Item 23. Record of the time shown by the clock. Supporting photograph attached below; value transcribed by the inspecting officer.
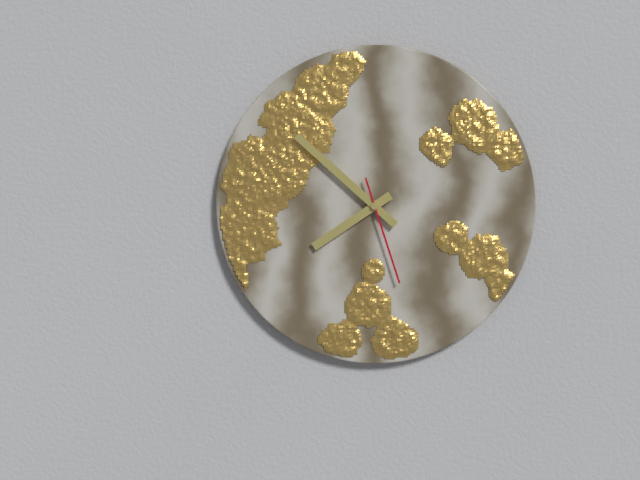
7:52:27
